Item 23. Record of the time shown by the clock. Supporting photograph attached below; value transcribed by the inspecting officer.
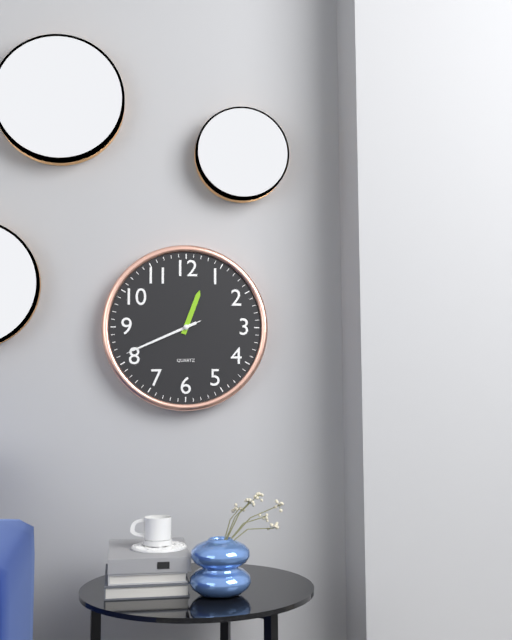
12:41:41
